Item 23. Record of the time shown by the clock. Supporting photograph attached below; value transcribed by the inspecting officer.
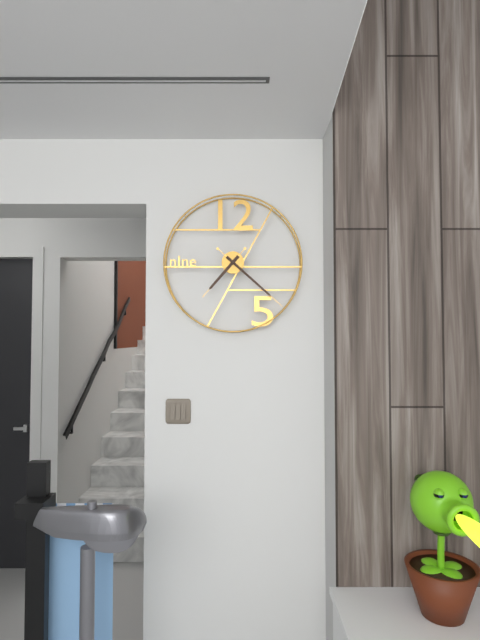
7:22
